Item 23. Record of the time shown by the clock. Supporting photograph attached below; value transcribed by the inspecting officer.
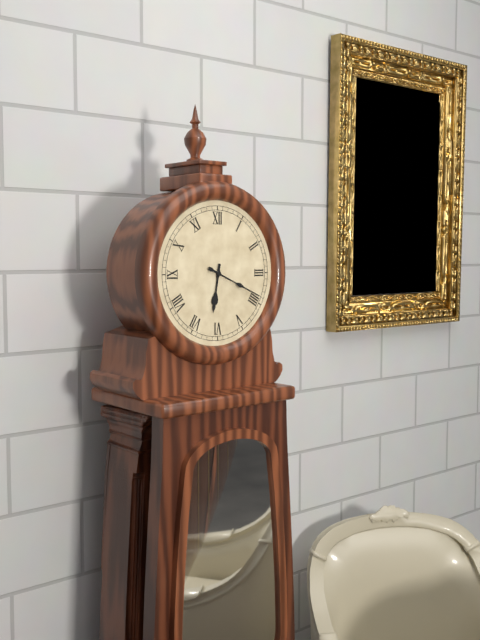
6:19
